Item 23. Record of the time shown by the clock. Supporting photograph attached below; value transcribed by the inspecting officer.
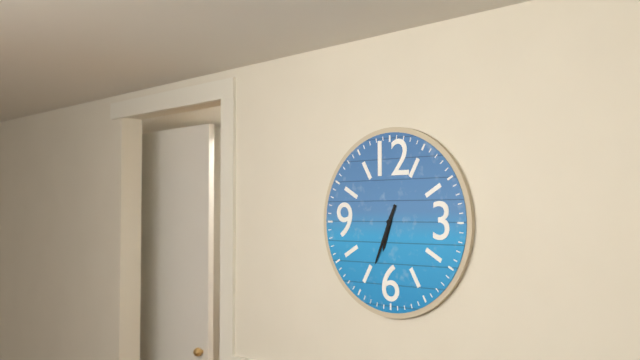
6:34
